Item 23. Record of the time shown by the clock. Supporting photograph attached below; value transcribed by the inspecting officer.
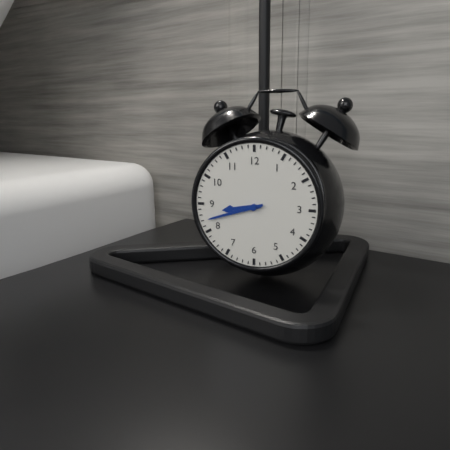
8:42
